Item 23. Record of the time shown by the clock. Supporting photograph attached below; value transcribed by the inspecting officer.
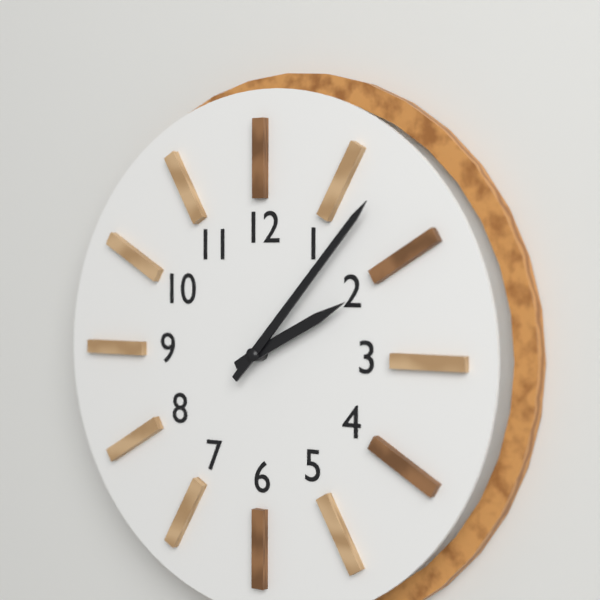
2:07
